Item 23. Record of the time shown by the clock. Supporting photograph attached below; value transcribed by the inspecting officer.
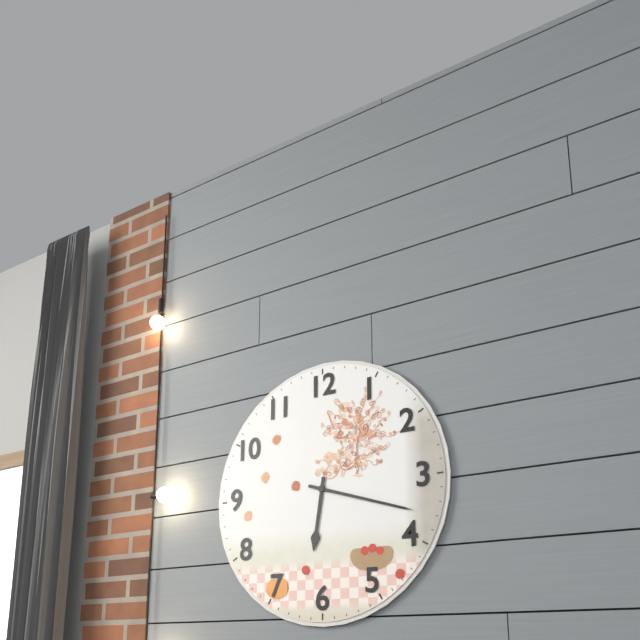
6:18
